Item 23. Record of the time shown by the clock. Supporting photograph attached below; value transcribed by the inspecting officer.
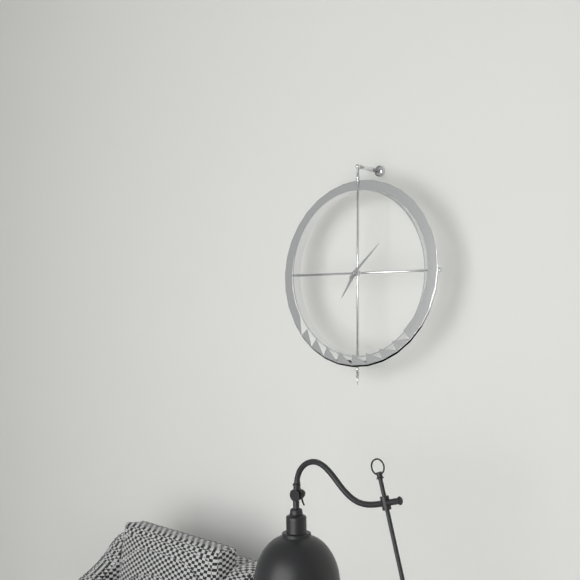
7:08
